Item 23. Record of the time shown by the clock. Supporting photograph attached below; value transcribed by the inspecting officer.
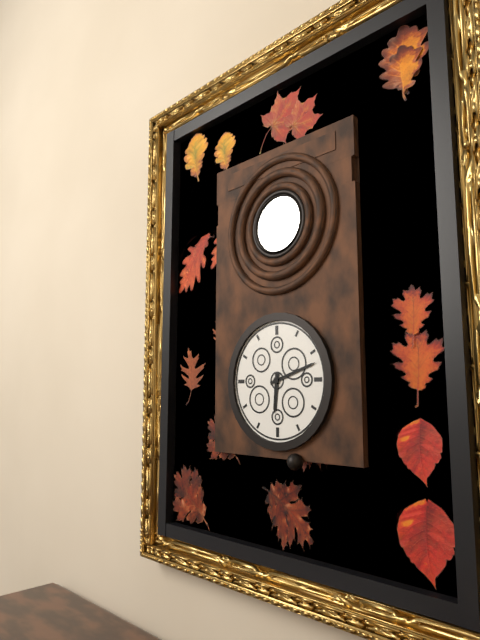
6:12
